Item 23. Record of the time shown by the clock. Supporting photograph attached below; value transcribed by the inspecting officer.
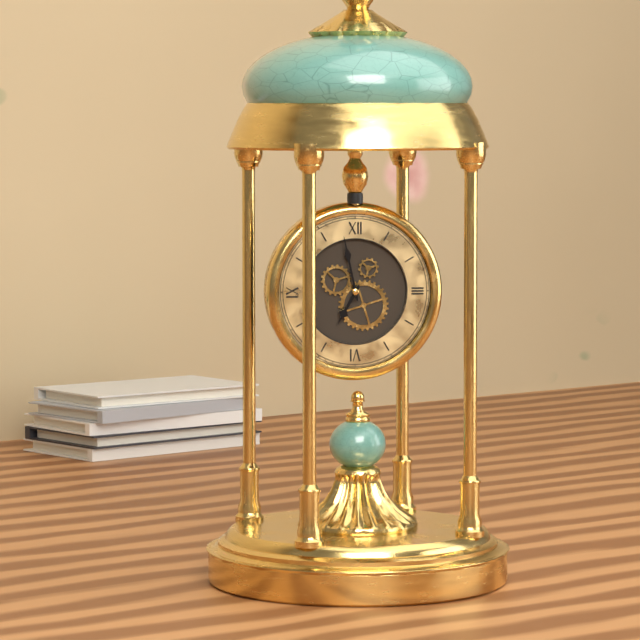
6:58
